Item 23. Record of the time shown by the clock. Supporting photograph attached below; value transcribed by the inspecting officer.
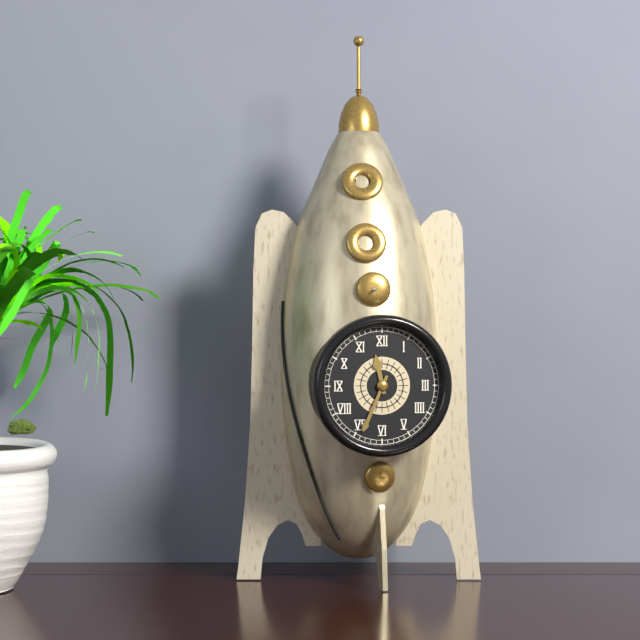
11:34
